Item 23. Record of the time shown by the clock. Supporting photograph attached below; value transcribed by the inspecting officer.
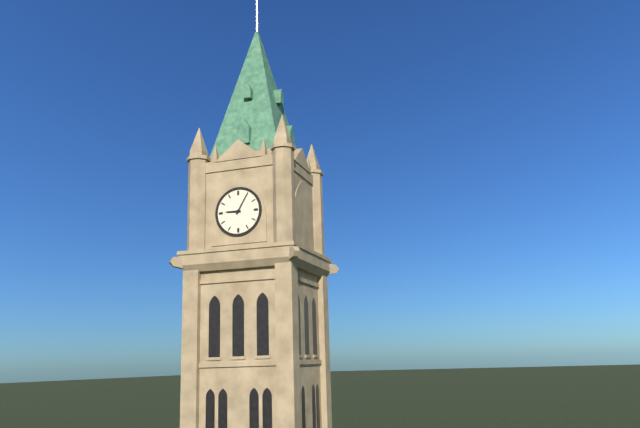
9:05
